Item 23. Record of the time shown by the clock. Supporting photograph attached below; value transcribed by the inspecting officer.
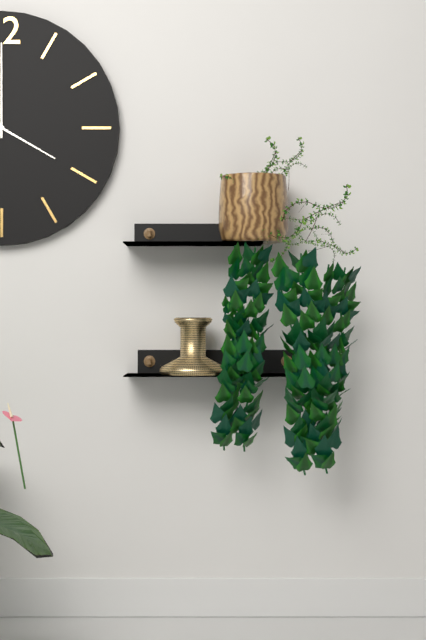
4:00
